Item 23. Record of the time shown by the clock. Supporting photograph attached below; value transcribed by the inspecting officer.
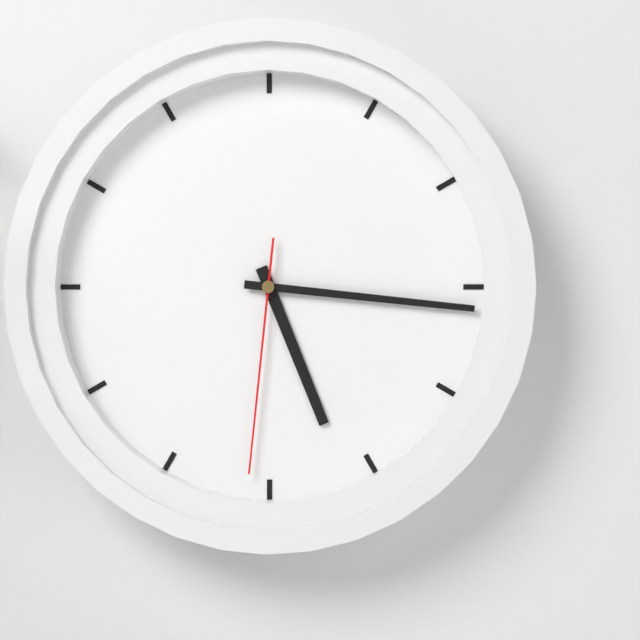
5:16:31
